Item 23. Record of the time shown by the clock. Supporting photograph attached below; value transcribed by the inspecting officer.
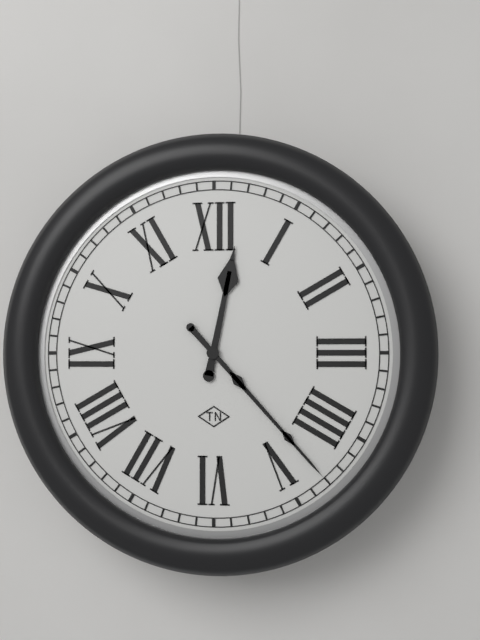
12:23
